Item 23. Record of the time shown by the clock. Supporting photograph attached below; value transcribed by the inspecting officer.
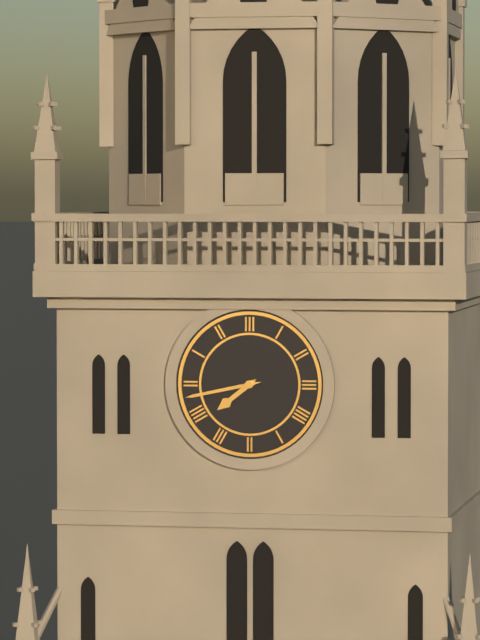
7:43
